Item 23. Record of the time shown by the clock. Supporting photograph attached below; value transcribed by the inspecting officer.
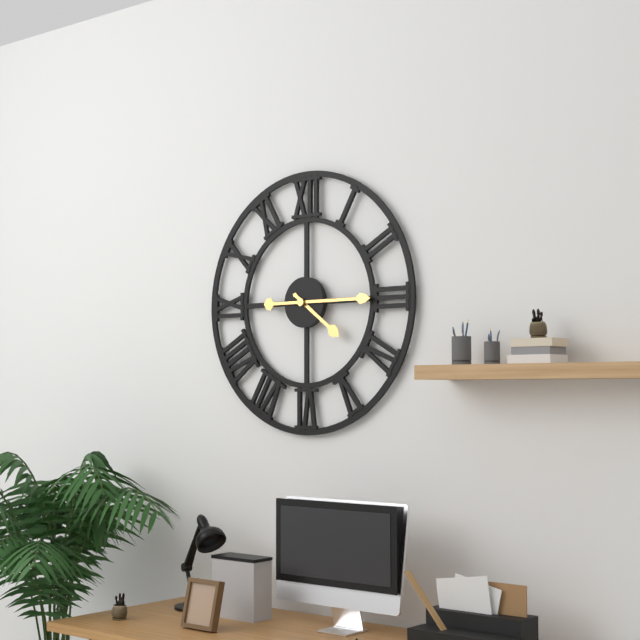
4:15
